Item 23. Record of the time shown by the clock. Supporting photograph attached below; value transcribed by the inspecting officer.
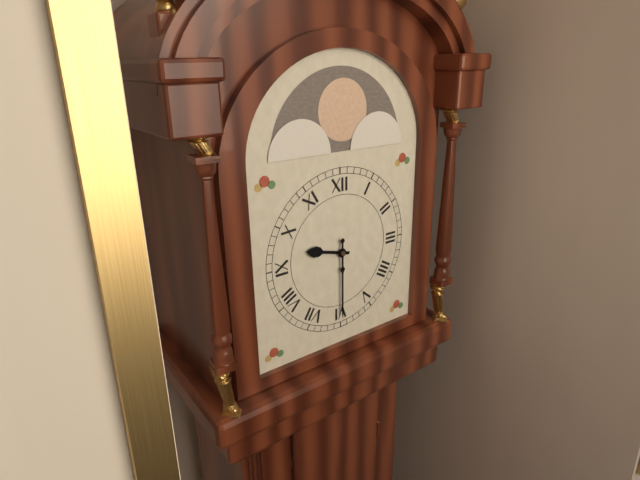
9:30
